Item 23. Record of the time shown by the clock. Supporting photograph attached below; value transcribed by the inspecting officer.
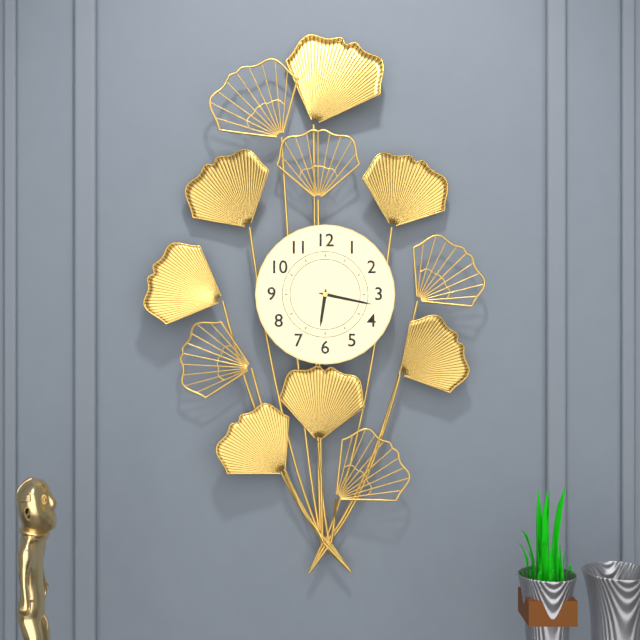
6:17
